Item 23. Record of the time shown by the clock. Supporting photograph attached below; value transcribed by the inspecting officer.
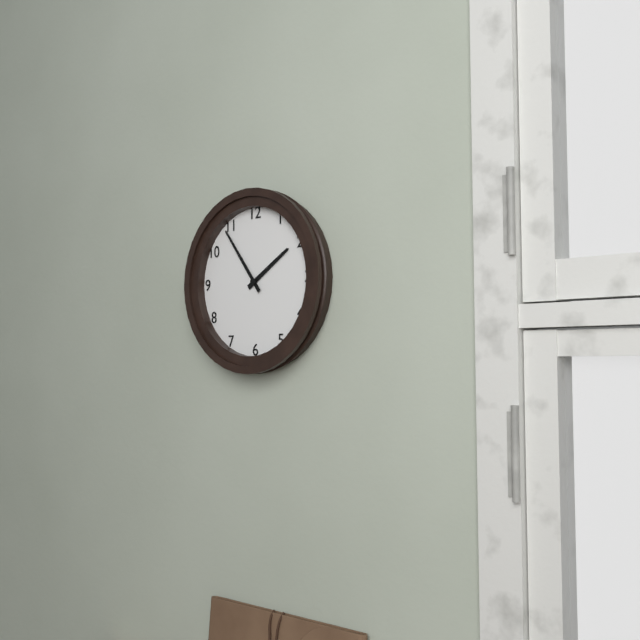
1:54
